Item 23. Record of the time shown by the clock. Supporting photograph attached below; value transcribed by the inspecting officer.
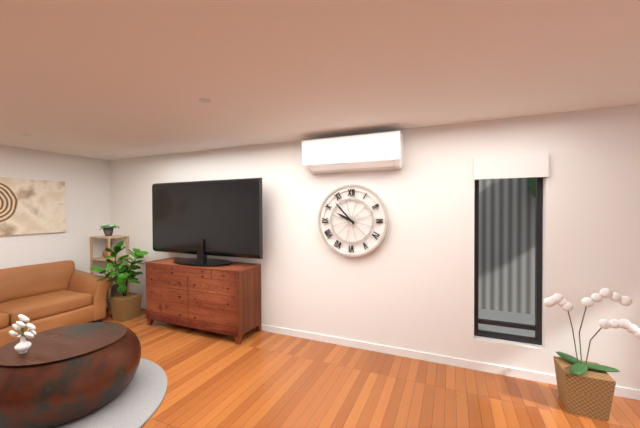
9:53
